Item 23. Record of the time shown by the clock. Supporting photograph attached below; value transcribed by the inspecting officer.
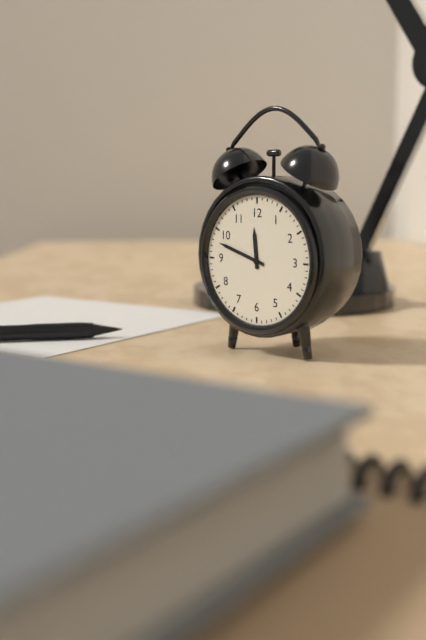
11:48
